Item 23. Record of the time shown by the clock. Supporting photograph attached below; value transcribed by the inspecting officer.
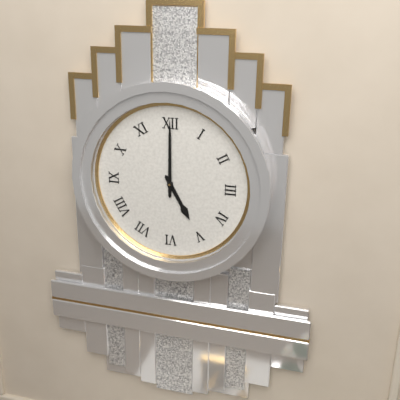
5:00
